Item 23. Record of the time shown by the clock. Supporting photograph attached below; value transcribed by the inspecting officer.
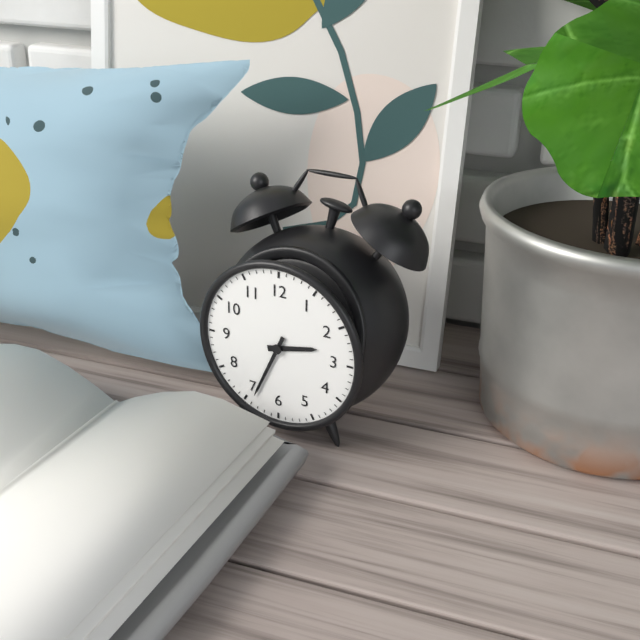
2:34
